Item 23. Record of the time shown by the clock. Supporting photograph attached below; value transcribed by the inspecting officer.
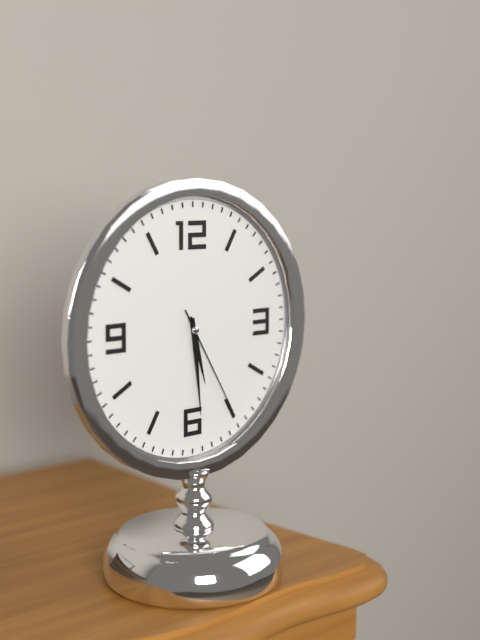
5:29:25
